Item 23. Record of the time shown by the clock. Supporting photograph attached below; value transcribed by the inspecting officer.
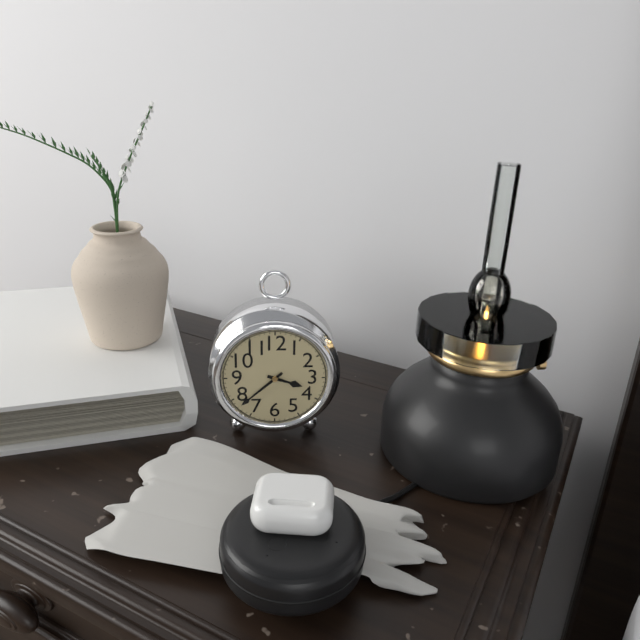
3:38
